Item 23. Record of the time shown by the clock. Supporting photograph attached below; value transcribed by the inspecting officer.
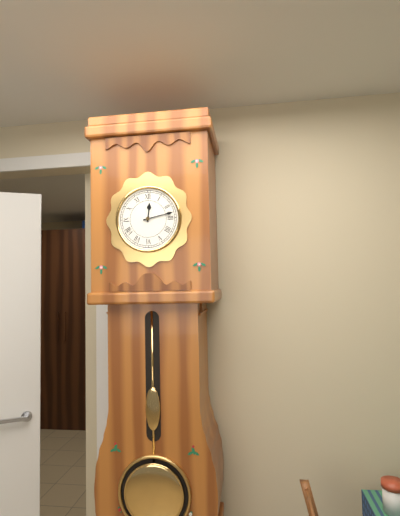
12:13
